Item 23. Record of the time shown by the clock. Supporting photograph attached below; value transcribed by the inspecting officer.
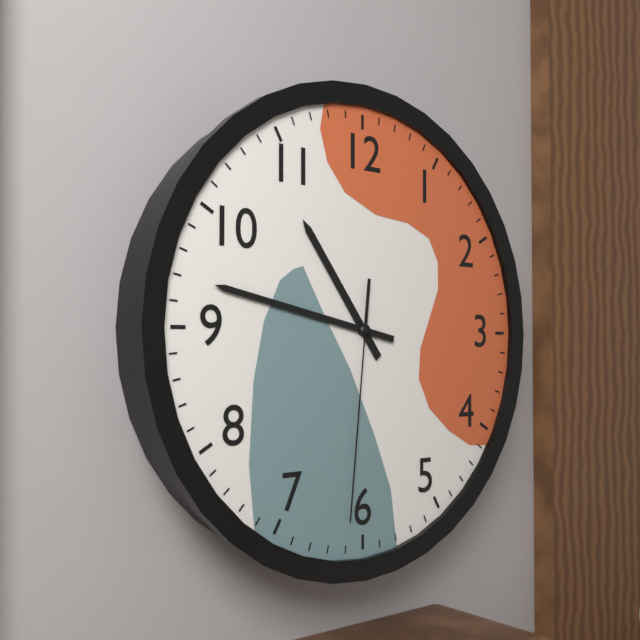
10:47:31
